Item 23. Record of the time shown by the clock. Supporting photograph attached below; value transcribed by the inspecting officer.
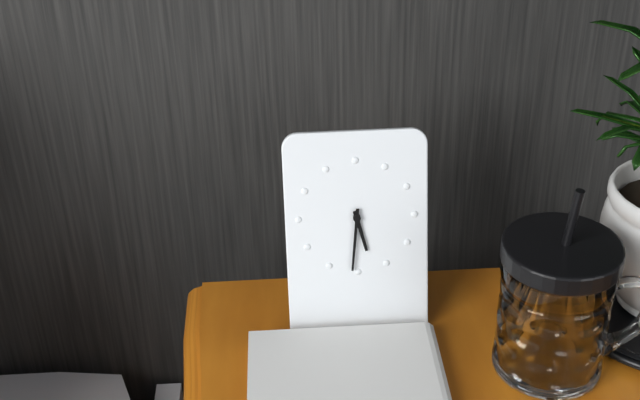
5:31
